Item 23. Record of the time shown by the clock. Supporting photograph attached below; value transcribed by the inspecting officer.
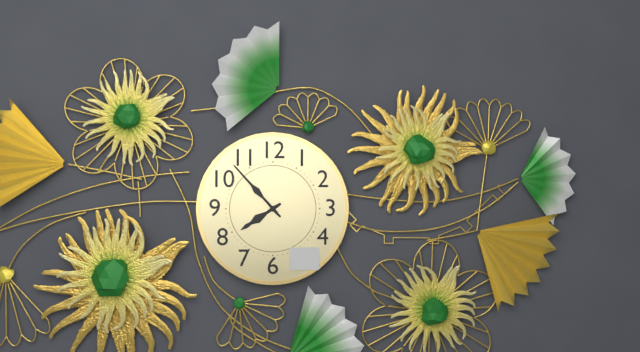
7:53
